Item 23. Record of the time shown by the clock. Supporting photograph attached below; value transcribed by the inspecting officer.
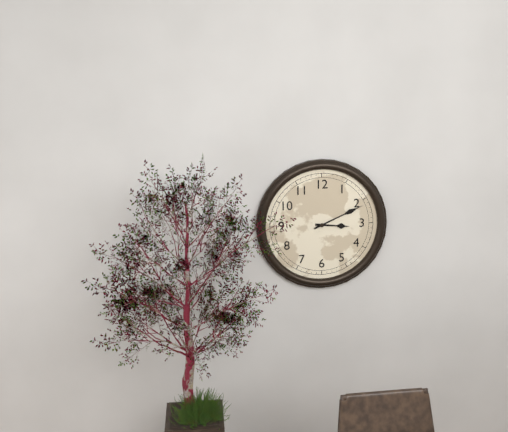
3:11
